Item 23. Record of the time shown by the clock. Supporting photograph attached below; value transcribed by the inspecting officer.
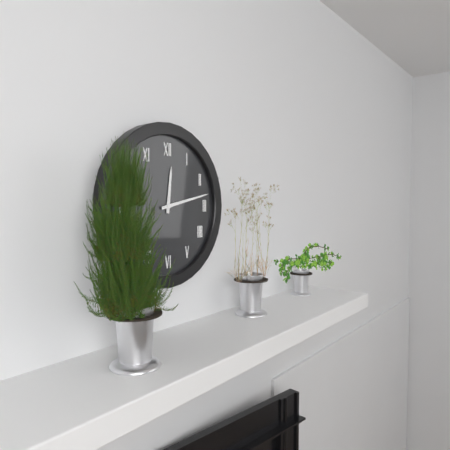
12:13
